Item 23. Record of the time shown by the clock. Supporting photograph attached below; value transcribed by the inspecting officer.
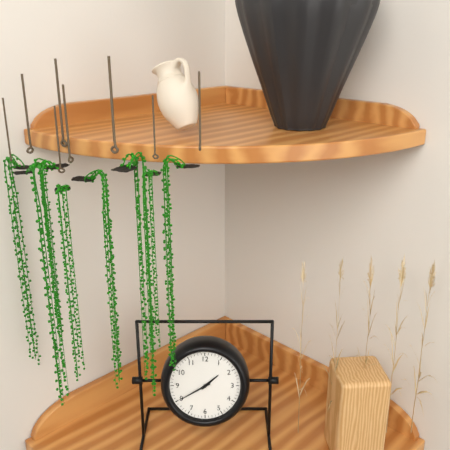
1:40
